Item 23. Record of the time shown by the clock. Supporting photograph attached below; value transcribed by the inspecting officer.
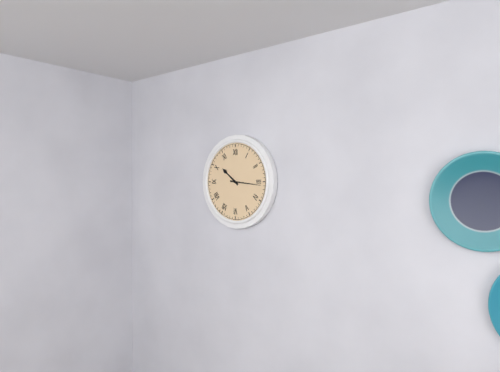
10:16
